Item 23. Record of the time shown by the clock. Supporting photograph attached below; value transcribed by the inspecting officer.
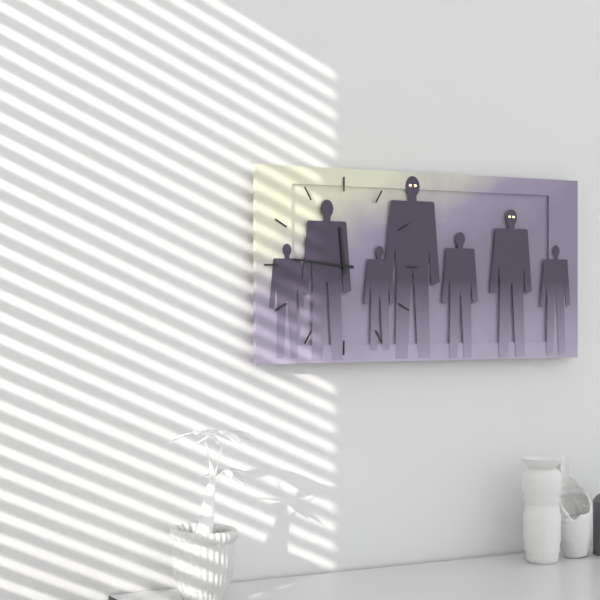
11:46
